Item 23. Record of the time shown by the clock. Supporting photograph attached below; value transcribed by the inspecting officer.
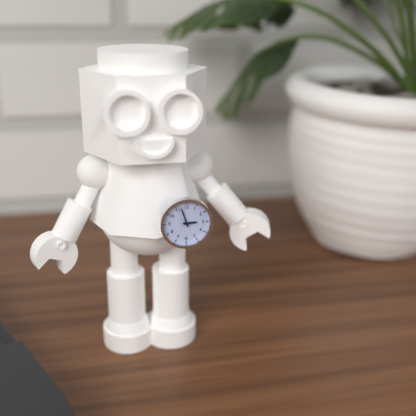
2:57
